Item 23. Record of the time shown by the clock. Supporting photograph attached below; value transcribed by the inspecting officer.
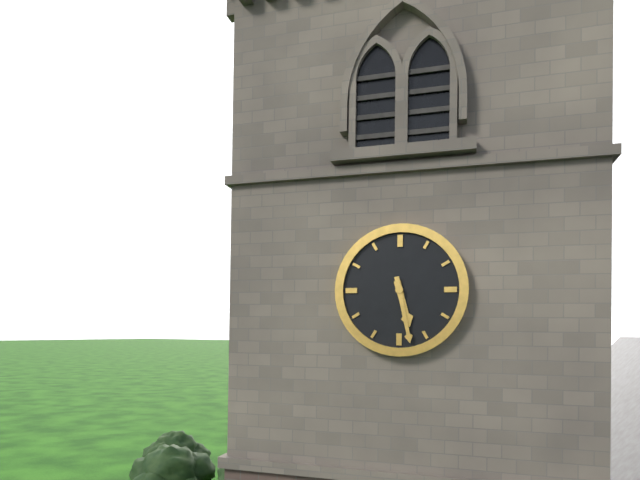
5:28
